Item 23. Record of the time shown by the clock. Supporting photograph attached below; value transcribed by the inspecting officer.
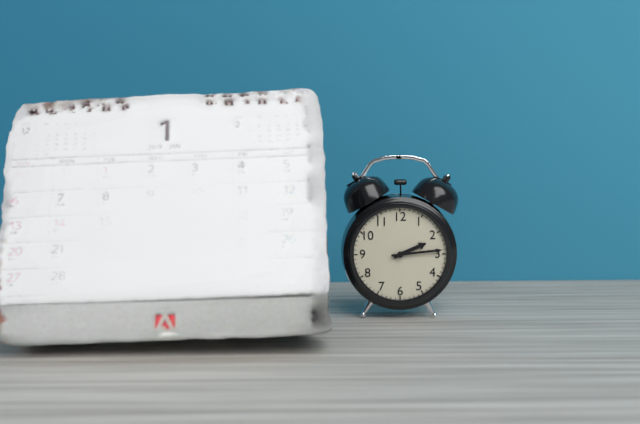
2:14
